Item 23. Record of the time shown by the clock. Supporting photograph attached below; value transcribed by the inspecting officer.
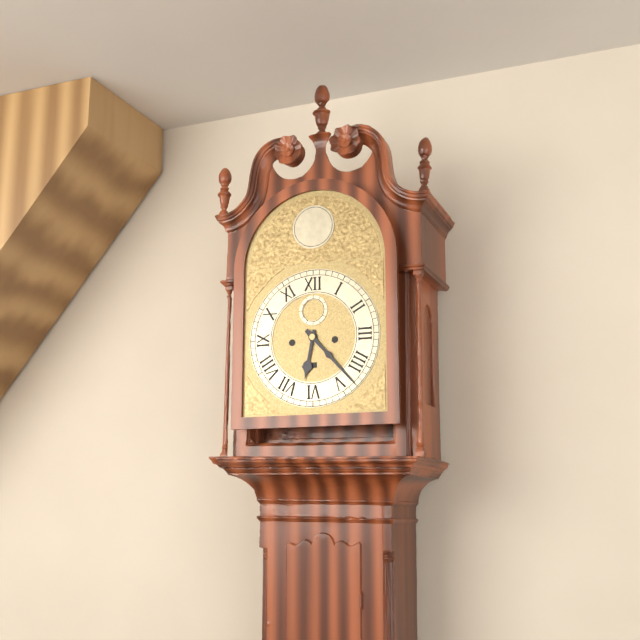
6:23
